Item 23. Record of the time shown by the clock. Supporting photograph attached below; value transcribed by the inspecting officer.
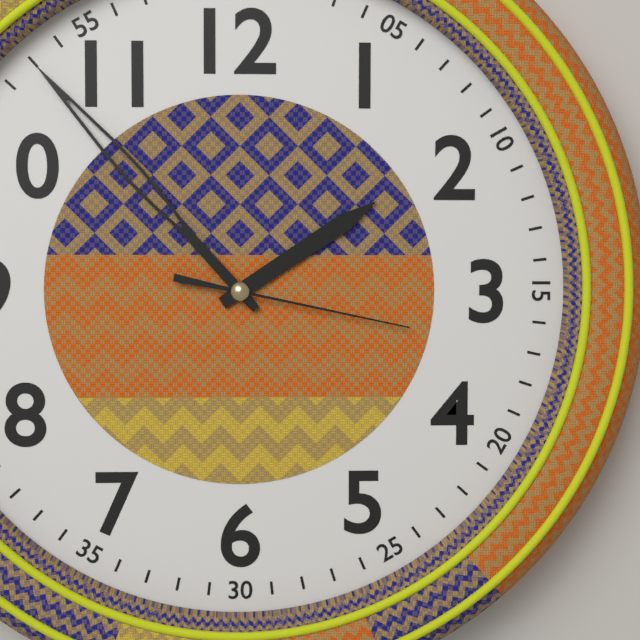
1:53:17
